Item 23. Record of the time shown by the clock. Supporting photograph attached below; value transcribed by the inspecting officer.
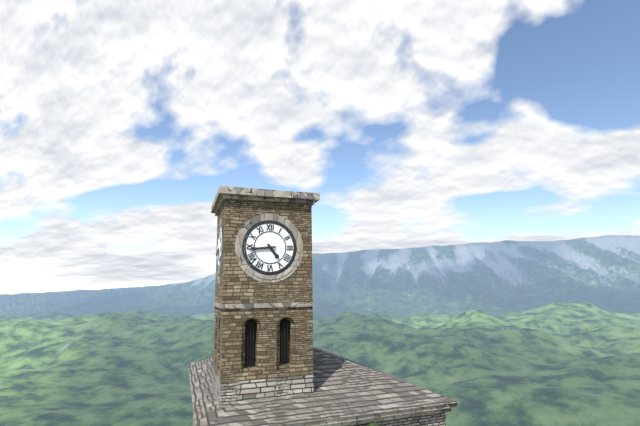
4:44
